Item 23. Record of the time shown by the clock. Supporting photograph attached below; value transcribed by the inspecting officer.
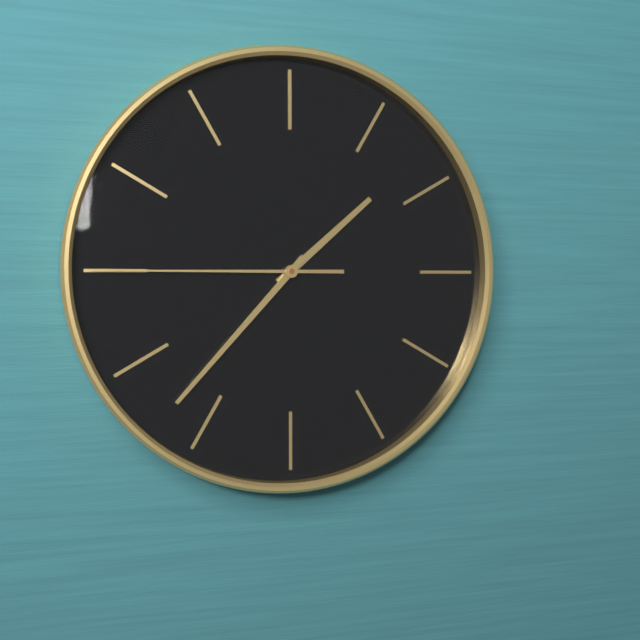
1:37:45
